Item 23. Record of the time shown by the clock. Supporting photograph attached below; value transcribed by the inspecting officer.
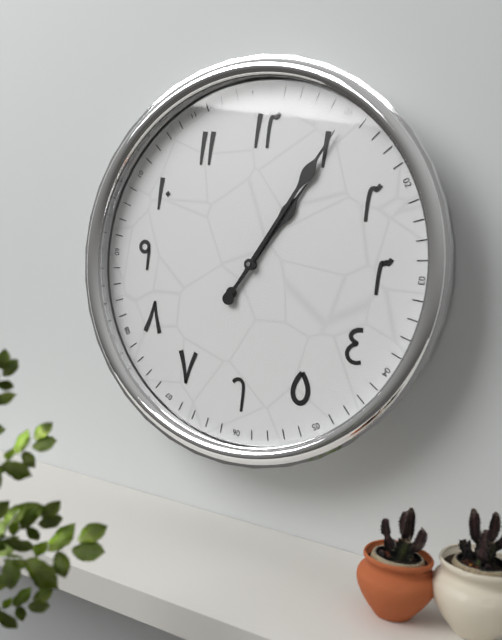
1:05
